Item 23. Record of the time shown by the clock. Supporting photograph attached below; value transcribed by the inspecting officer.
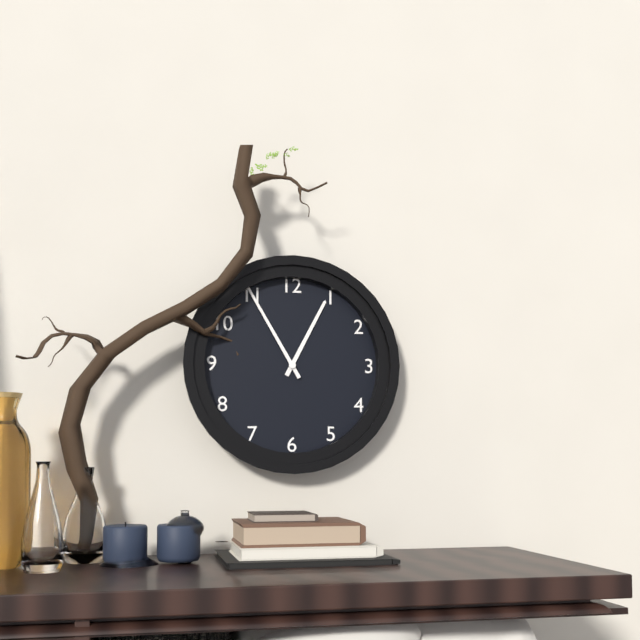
12:55
